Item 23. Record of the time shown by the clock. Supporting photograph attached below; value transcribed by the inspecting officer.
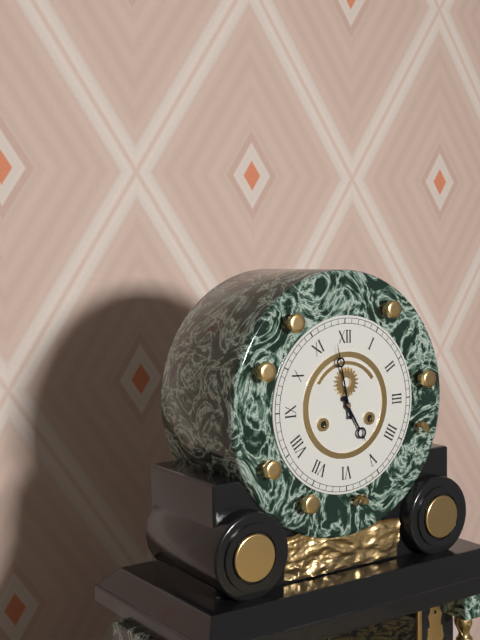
4:58
